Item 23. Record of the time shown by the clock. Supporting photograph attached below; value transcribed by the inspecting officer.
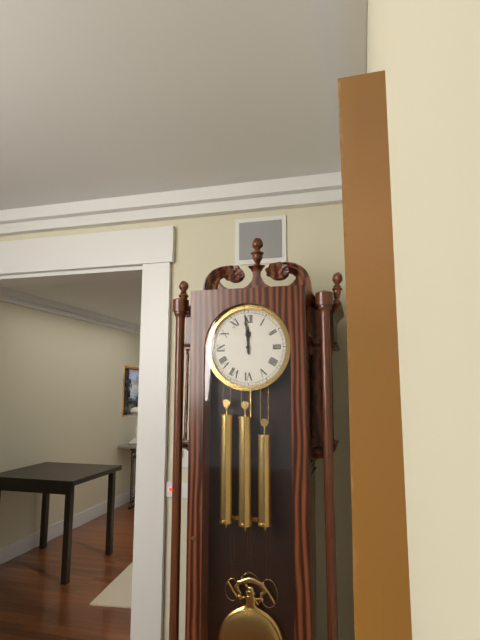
11:59
